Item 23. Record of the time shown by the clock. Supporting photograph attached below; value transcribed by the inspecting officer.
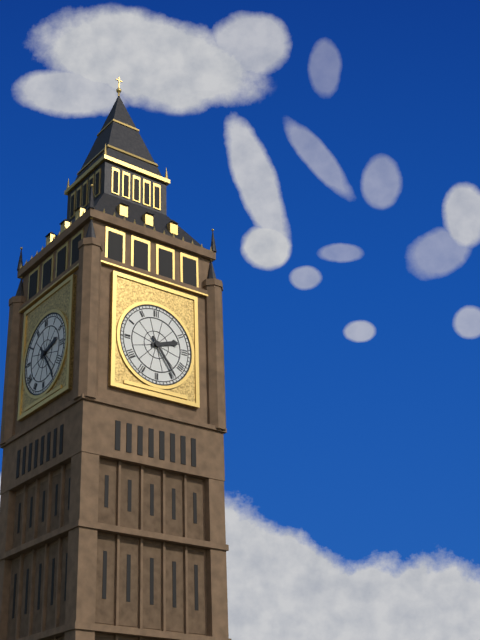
2:24
